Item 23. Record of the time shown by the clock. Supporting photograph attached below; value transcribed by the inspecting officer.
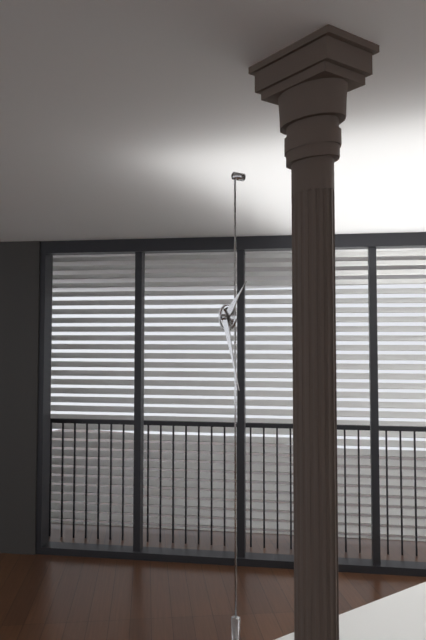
1:27
